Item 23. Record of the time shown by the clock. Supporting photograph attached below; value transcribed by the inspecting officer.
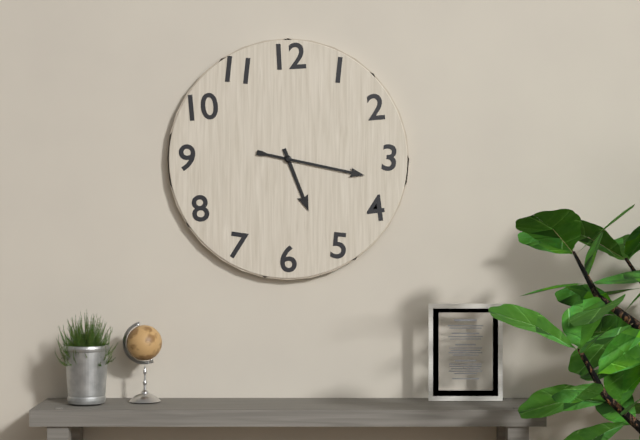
5:17
